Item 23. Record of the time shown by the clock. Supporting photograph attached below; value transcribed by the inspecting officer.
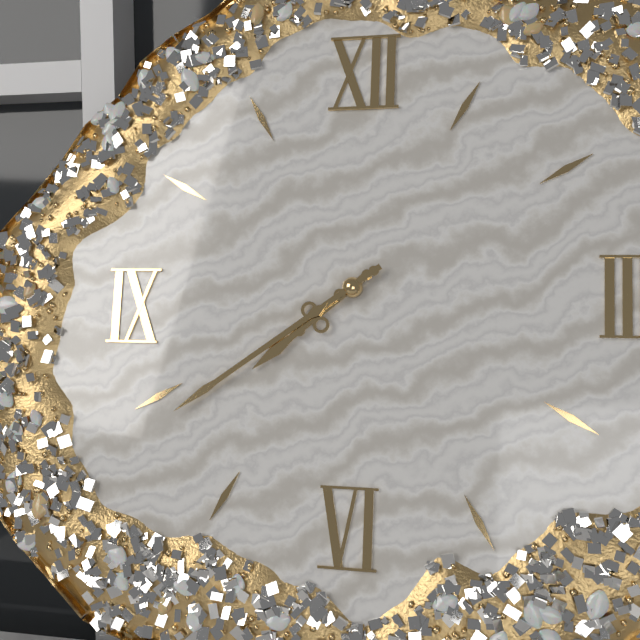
7:39
